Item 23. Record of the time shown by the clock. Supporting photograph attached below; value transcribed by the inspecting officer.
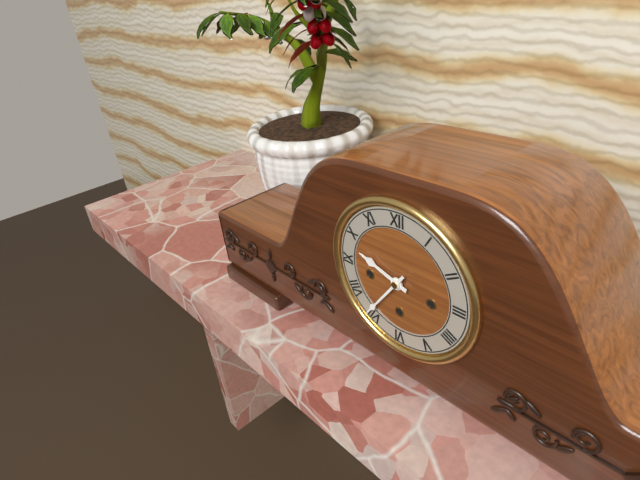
9:36
